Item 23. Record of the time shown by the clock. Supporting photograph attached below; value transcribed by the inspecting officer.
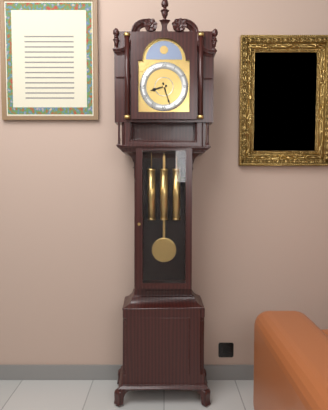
8:27
